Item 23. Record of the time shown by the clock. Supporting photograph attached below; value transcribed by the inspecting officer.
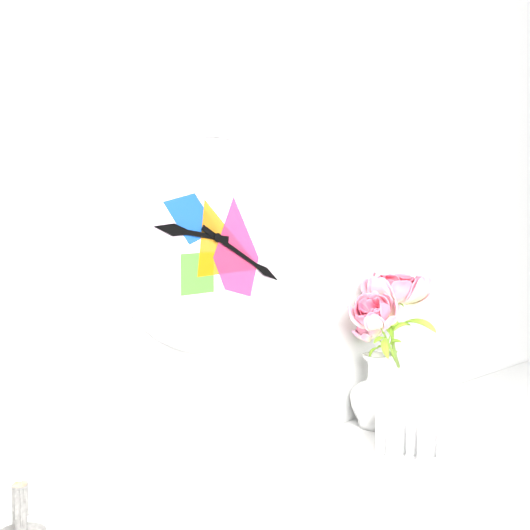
9:20
